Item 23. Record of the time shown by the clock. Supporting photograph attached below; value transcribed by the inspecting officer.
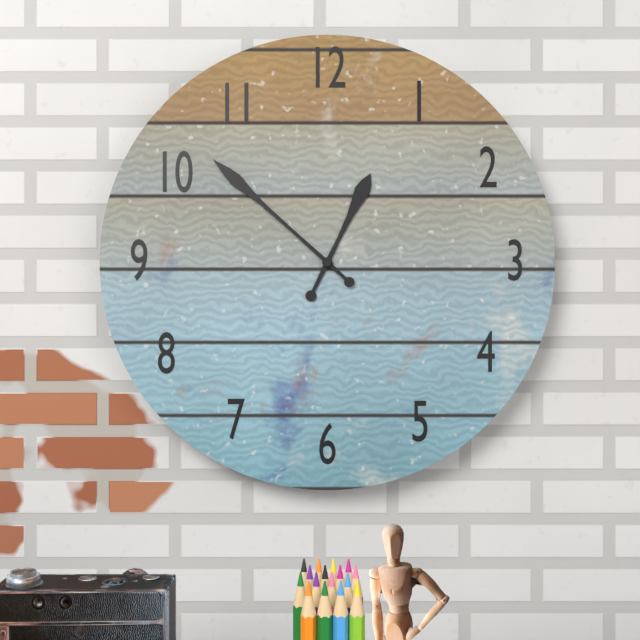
12:52
